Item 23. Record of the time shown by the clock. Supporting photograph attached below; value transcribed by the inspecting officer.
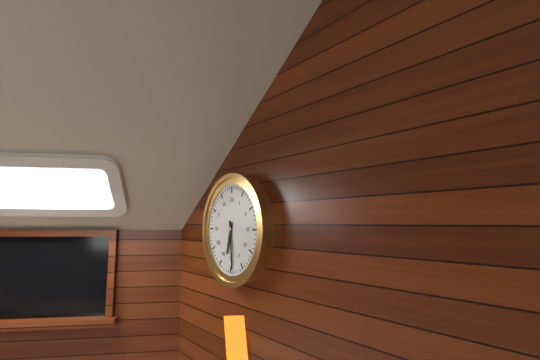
6:29
